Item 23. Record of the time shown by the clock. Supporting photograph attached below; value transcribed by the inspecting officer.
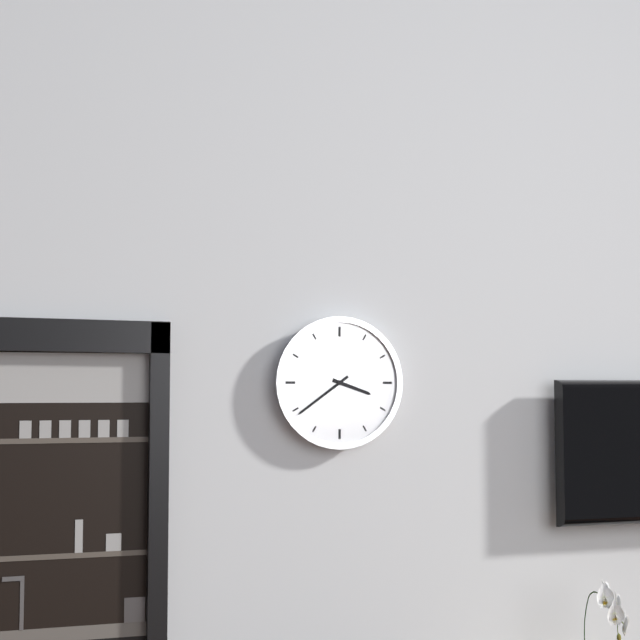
3:39
